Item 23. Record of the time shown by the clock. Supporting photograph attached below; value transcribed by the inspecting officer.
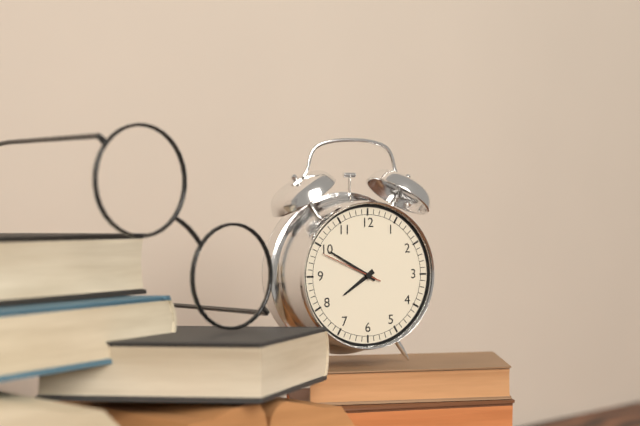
7:50:49
